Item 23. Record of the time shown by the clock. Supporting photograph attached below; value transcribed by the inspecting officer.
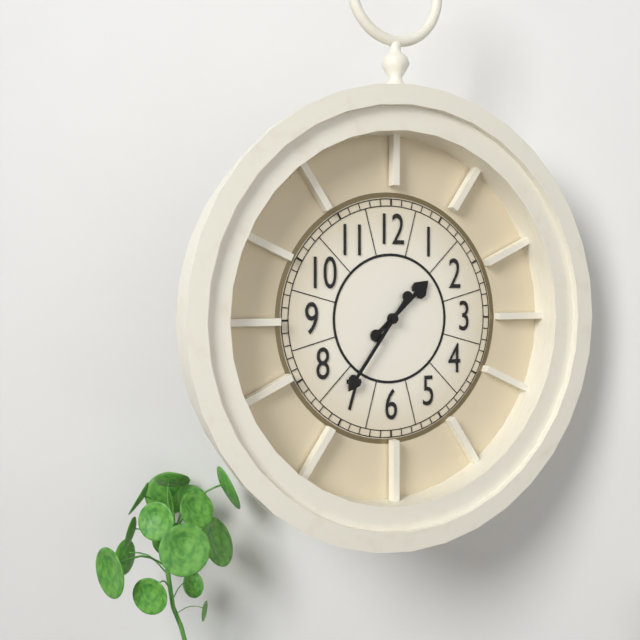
1:36
